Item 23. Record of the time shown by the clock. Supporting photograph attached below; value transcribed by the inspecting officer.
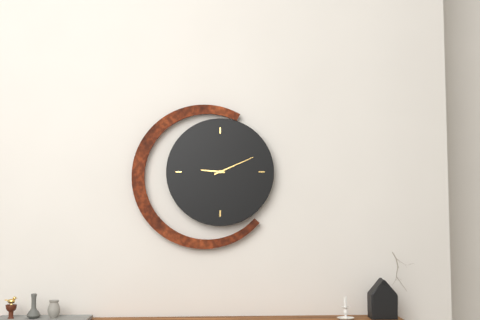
9:11
